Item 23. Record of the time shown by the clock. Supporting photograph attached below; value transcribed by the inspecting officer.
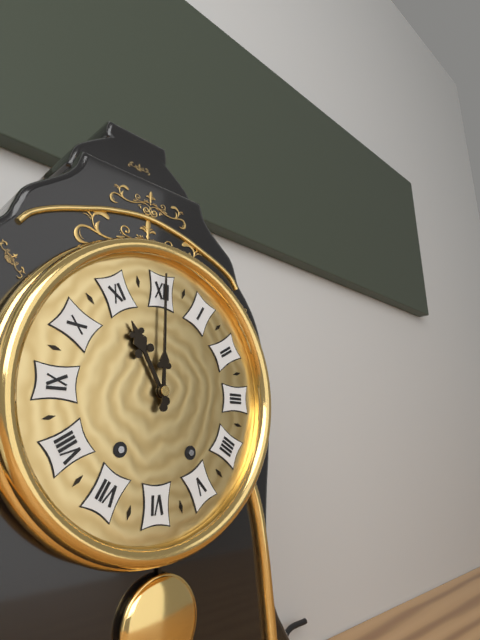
11:00
